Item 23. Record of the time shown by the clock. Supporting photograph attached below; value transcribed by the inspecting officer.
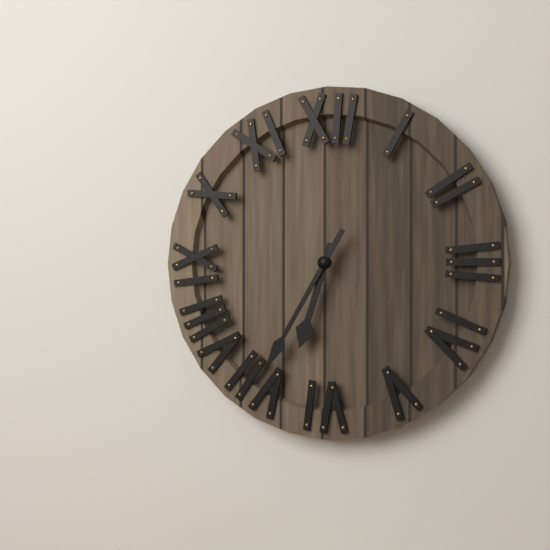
6:35
